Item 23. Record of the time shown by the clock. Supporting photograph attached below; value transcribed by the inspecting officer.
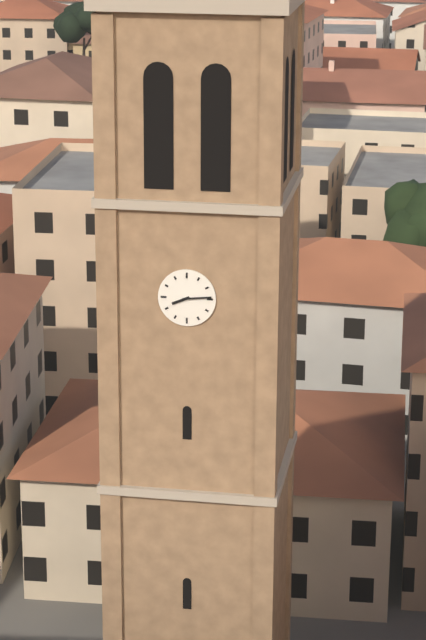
8:14
